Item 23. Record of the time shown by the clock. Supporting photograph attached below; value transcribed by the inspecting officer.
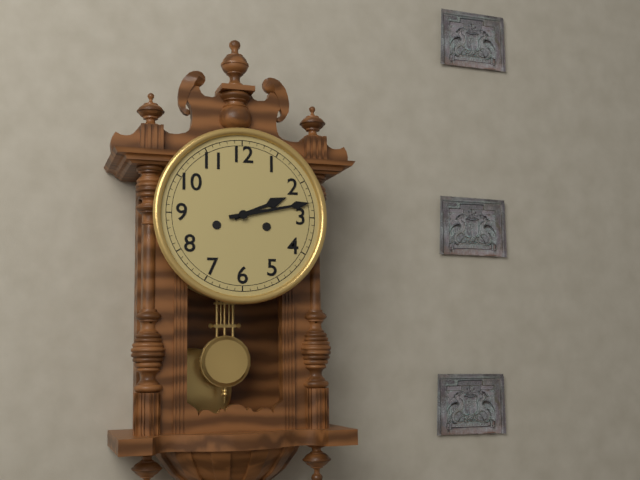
2:13
